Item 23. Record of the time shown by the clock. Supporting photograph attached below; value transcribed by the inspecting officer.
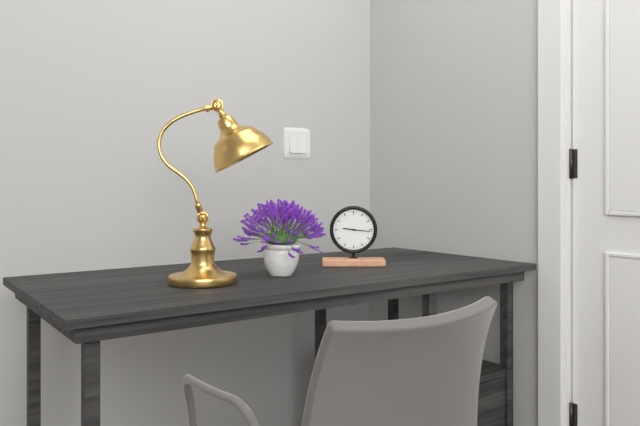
9:16
